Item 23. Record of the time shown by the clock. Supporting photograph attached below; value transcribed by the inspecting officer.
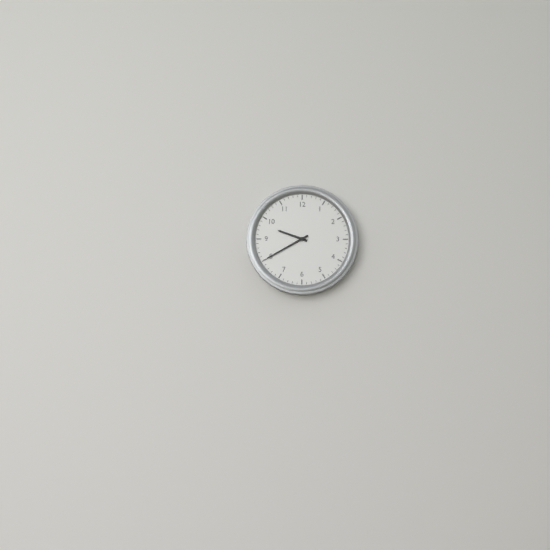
9:40
